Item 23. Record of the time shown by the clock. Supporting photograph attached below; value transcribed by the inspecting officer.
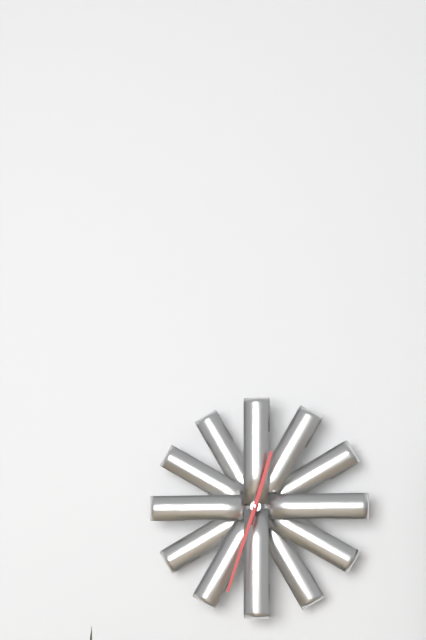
12:33
